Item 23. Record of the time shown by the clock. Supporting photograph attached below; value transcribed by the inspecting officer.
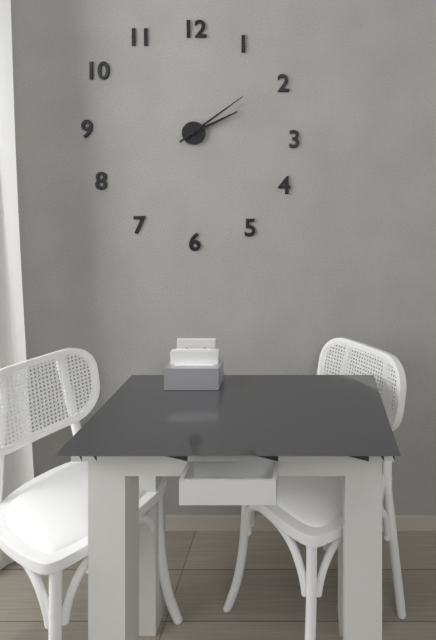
2:09
